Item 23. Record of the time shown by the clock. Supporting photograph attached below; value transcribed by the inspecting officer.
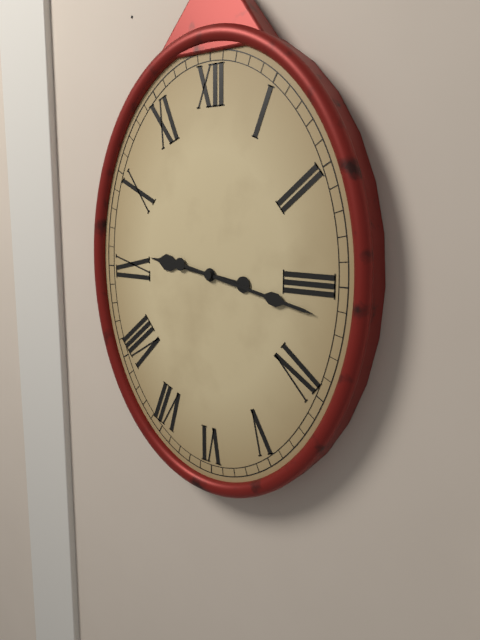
9:17
